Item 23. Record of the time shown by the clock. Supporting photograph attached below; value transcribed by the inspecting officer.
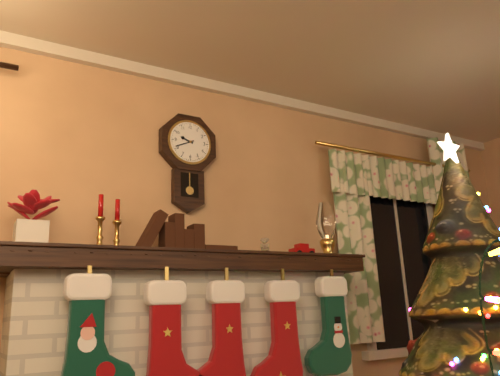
9:41
